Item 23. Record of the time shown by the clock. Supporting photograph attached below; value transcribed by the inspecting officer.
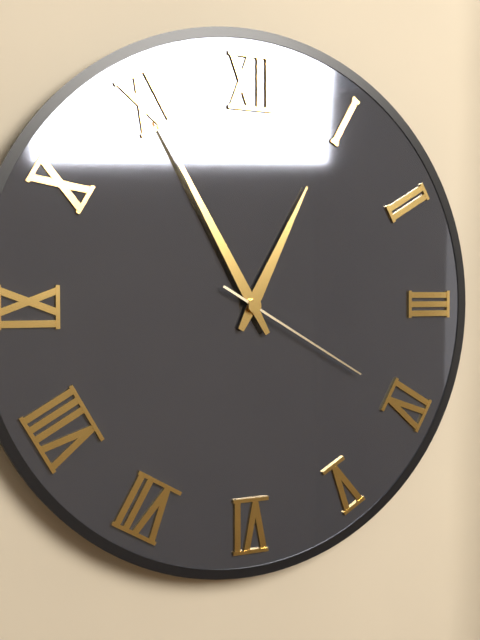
12:55:20
